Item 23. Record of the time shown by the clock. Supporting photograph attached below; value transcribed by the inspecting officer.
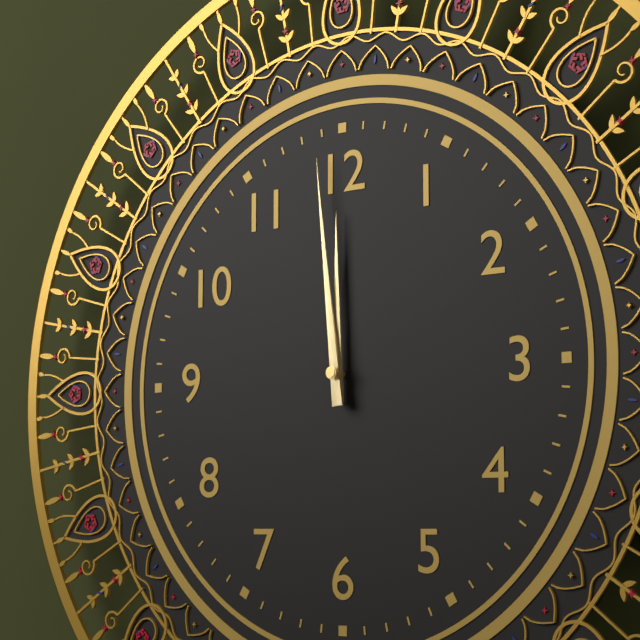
11:59
